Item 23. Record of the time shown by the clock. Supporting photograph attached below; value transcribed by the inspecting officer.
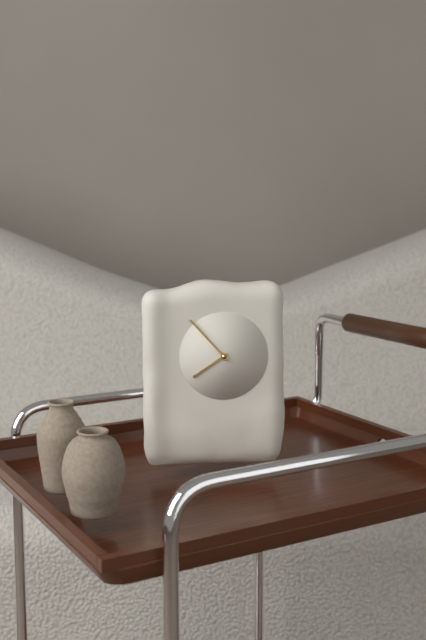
7:53
